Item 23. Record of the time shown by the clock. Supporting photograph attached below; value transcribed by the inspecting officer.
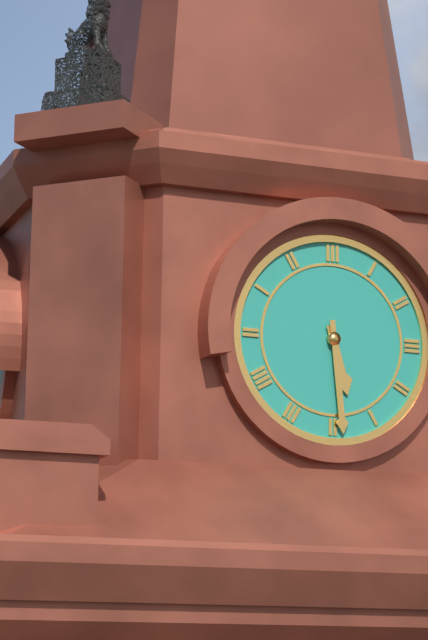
5:29
